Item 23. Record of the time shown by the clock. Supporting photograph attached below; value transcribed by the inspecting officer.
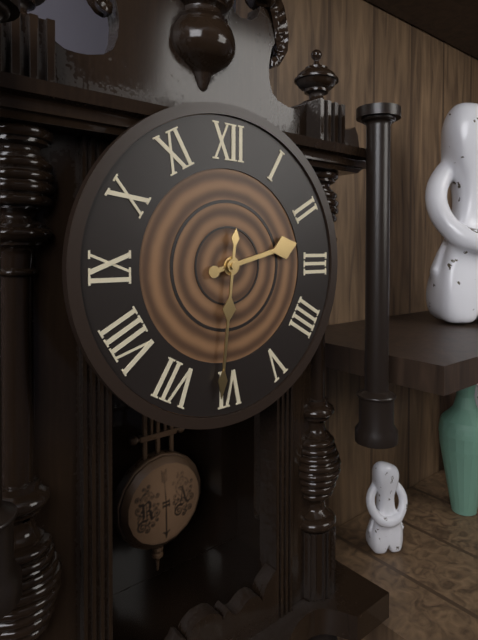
2:31
